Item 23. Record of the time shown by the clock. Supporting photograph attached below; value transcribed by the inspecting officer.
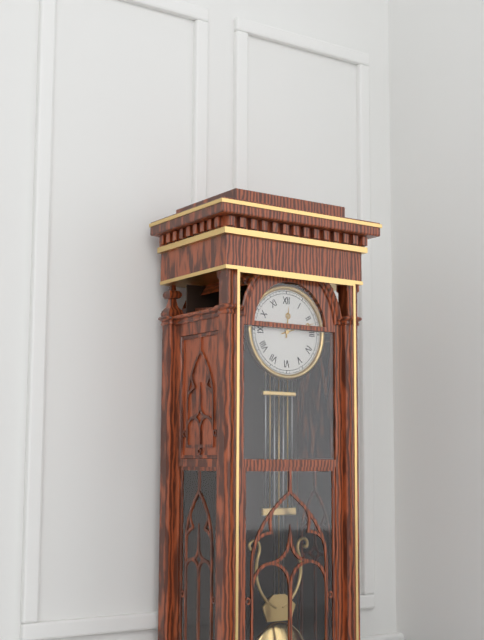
12:12
